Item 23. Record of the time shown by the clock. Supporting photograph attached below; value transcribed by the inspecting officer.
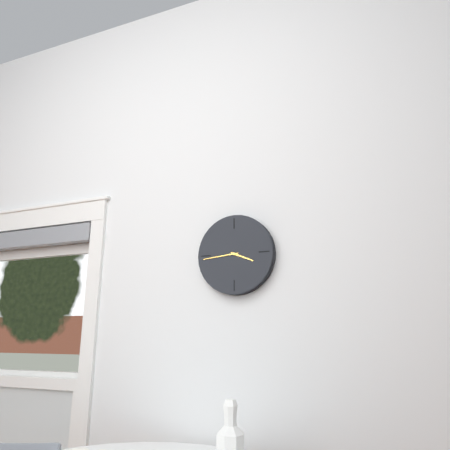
3:44
